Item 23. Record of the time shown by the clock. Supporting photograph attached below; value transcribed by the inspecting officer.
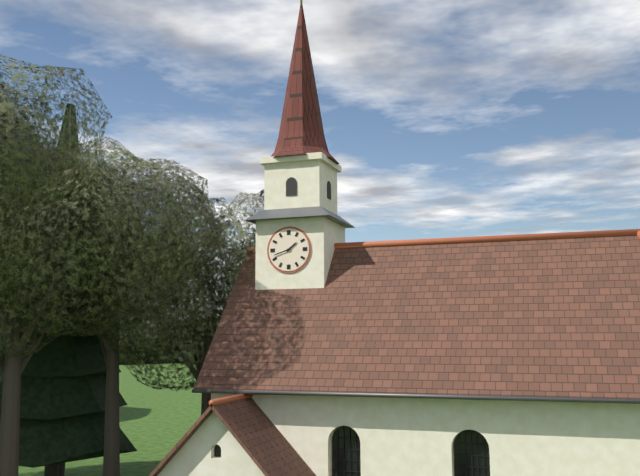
1:42
